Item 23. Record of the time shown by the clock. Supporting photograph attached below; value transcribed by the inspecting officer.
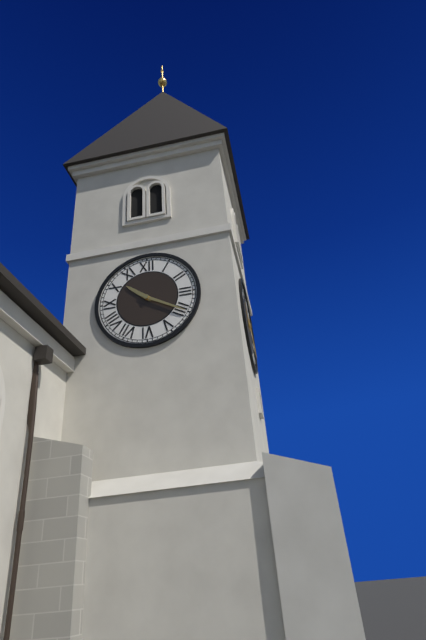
10:20
